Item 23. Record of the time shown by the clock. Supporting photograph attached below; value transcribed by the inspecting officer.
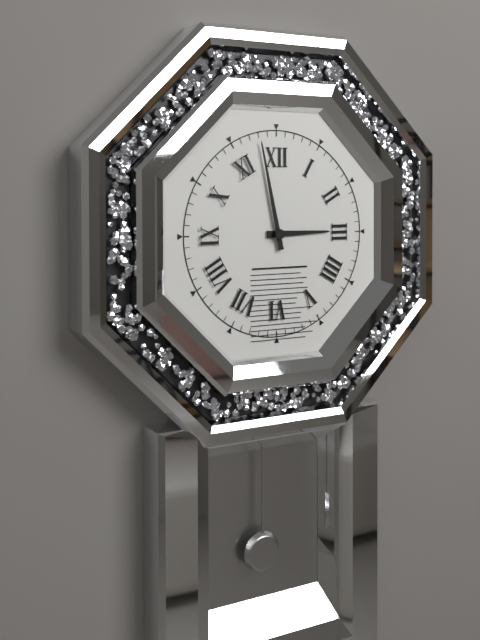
2:58
